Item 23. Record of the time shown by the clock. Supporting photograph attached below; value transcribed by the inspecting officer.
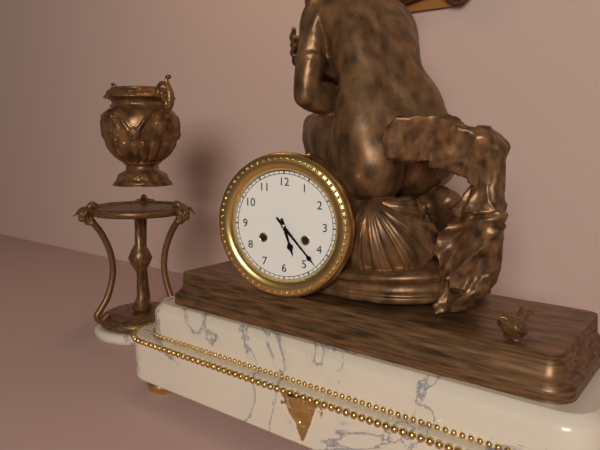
5:23
